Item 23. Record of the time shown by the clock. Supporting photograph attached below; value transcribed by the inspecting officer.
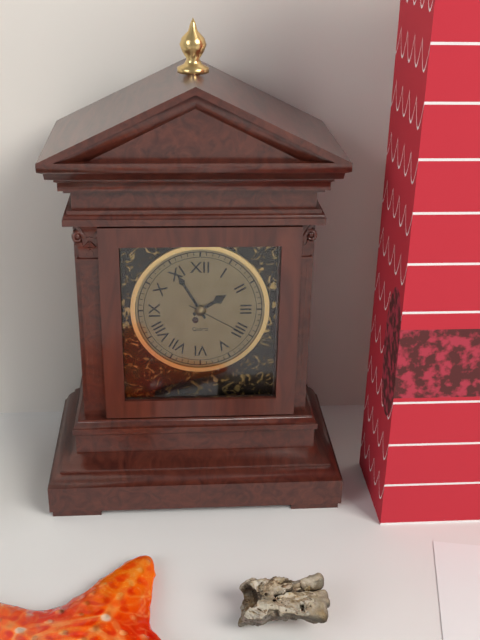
1:55:20
